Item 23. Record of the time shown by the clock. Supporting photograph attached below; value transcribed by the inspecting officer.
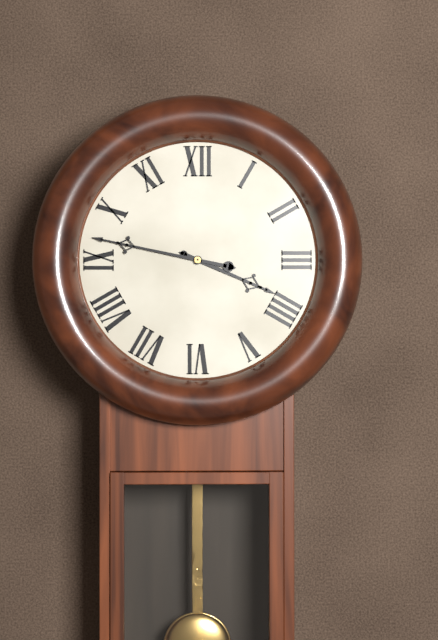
3:47
